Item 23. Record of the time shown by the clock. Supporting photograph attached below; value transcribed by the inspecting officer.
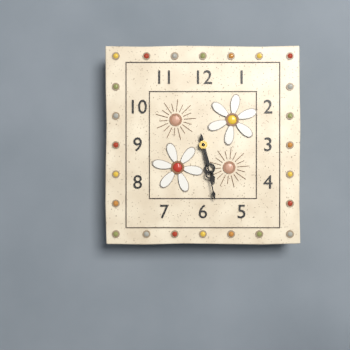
5:28
